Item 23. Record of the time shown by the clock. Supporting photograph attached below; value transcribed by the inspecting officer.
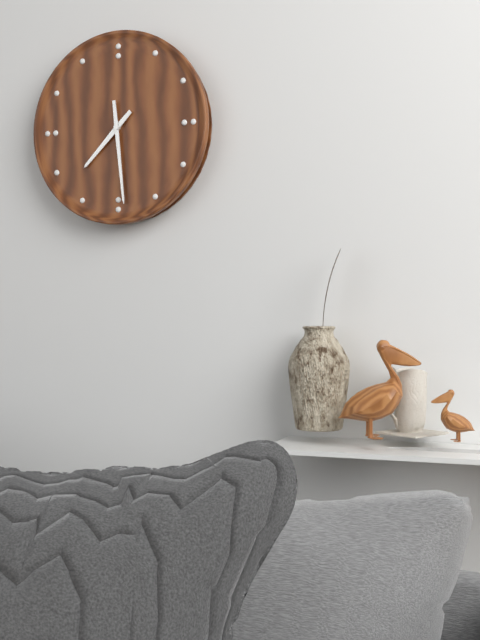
7:29
